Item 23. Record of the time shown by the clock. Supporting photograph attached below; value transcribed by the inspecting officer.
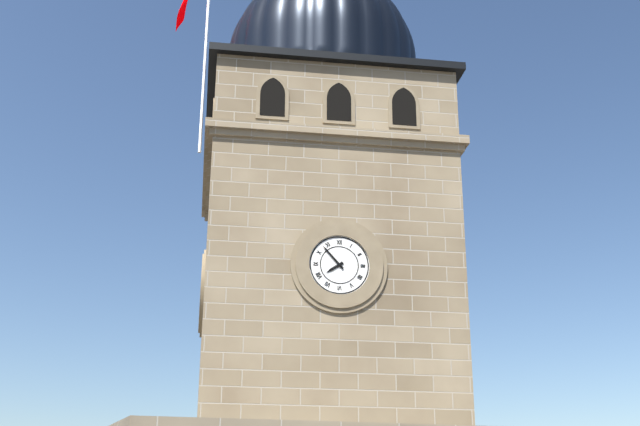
7:53
